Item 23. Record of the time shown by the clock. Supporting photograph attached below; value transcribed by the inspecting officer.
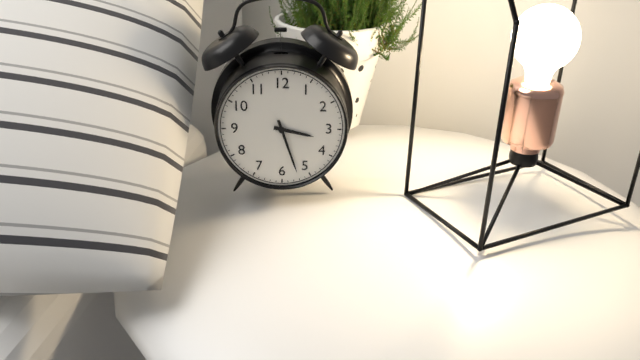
3:27
